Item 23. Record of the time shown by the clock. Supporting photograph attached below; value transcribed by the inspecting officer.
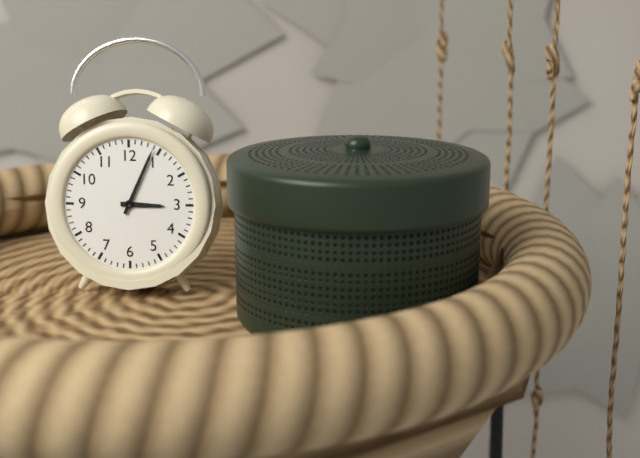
3:04
